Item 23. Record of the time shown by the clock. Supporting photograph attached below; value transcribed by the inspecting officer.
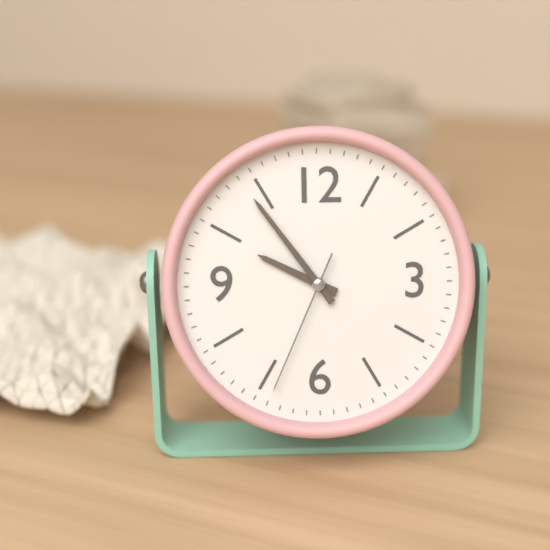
9:54:34
